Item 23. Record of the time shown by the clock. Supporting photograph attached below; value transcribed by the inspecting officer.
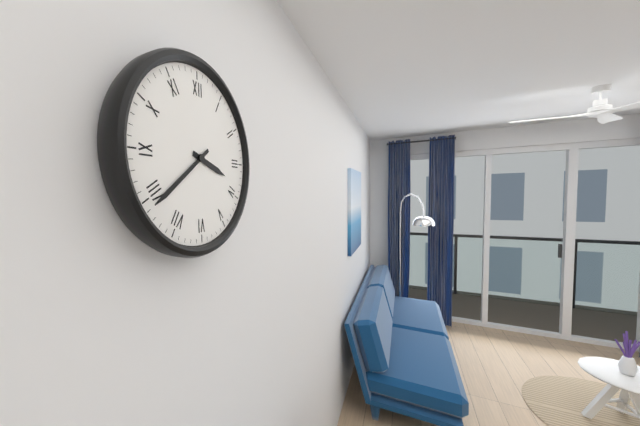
3:39
